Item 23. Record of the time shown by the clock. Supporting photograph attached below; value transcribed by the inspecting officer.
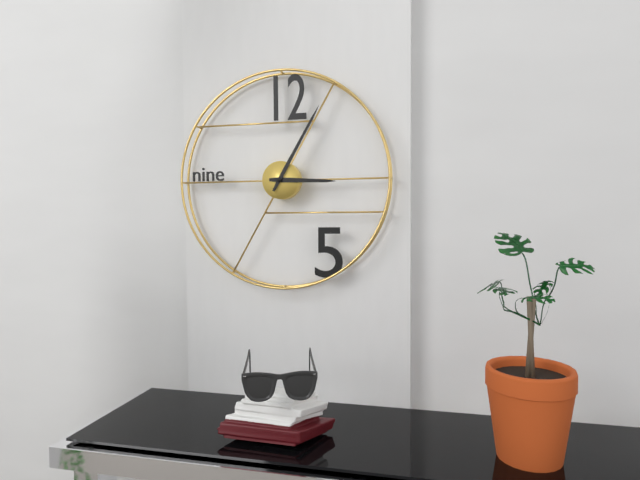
3:05
